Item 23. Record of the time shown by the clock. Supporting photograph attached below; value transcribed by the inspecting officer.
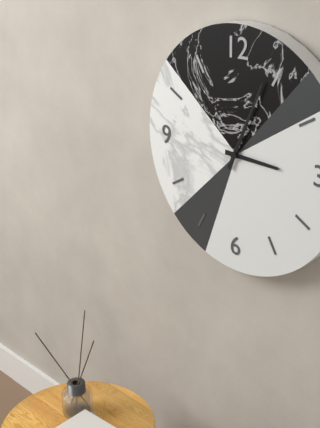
3:04
